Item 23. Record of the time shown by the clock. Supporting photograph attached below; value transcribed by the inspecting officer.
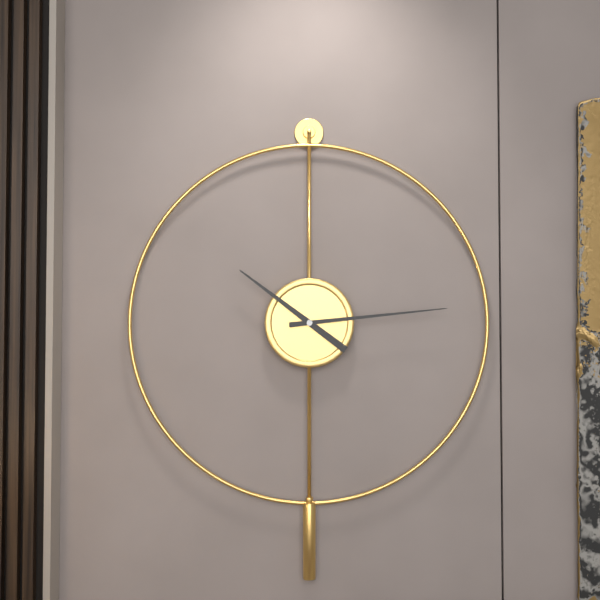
10:14
